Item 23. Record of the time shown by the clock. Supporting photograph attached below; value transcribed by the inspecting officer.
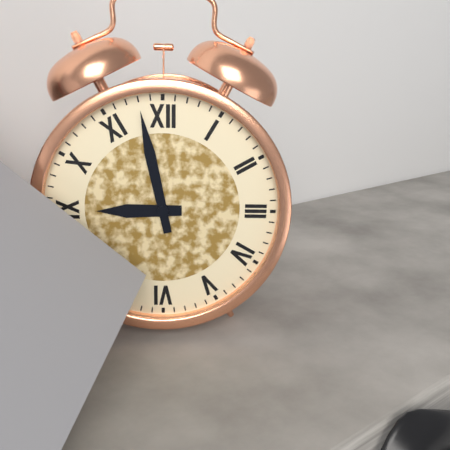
8:58
